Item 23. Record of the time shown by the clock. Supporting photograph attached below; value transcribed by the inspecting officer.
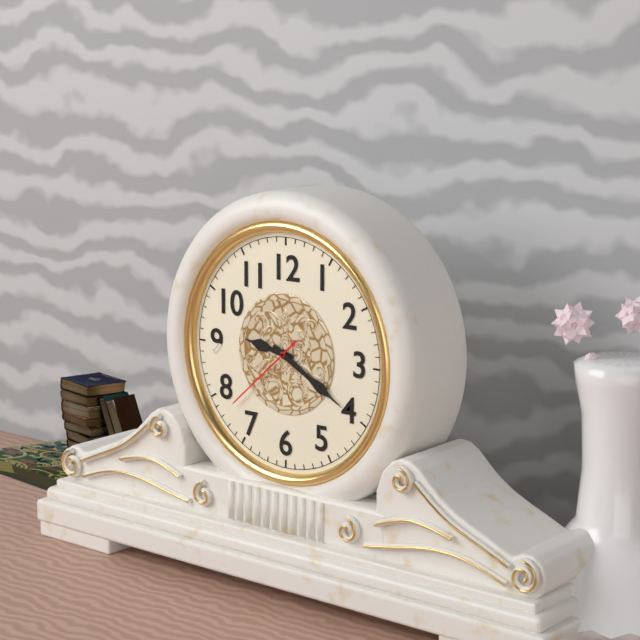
9:20:38
